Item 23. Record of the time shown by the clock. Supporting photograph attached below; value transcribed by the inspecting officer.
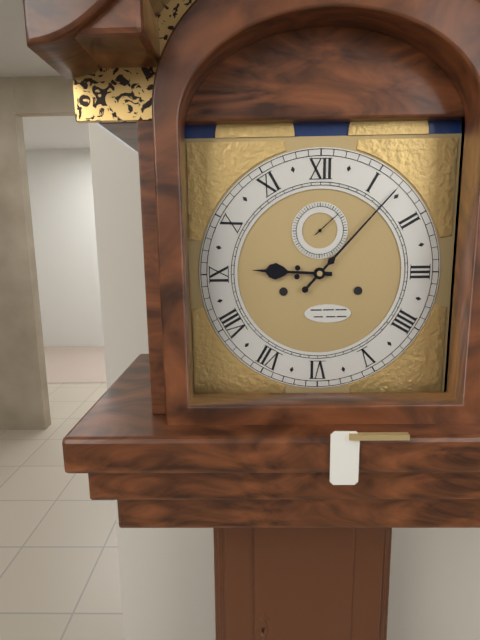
9:07
